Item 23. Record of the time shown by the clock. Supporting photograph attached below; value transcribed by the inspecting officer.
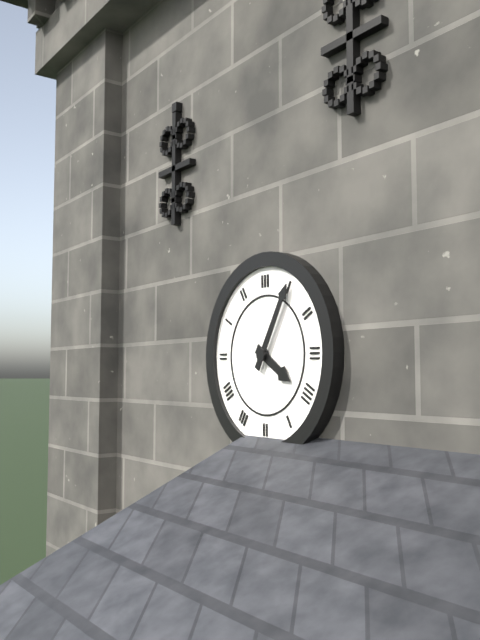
4:05
